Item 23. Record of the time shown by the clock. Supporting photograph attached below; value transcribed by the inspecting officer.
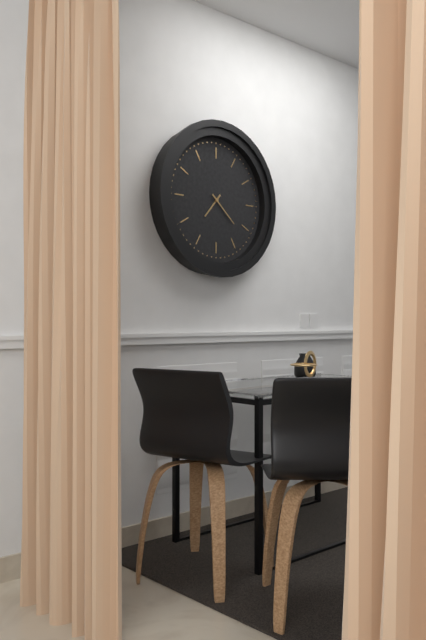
7:22
